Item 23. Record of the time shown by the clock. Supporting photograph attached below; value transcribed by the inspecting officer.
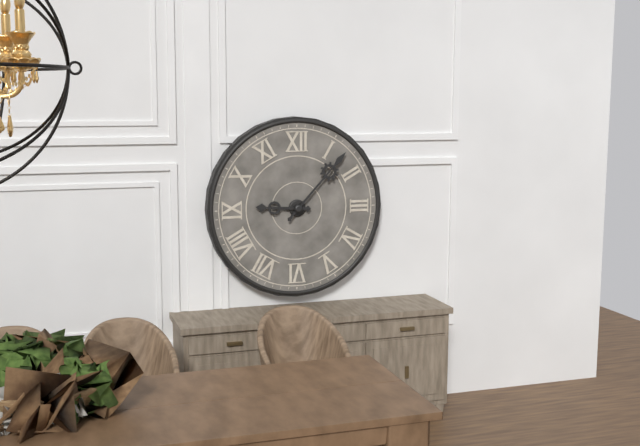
9:07
